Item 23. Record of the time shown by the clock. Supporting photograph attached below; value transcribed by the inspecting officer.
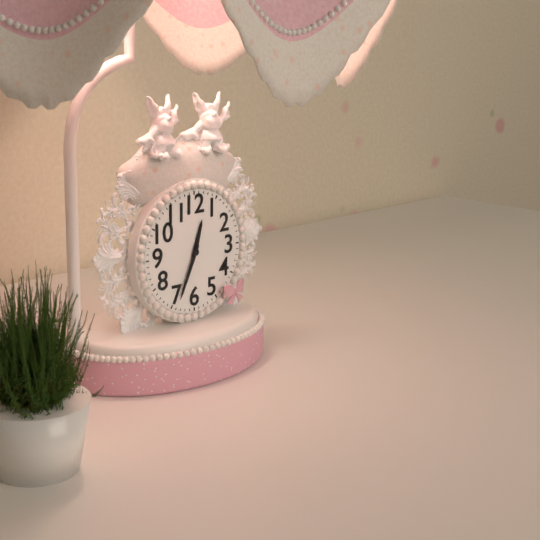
12:34
